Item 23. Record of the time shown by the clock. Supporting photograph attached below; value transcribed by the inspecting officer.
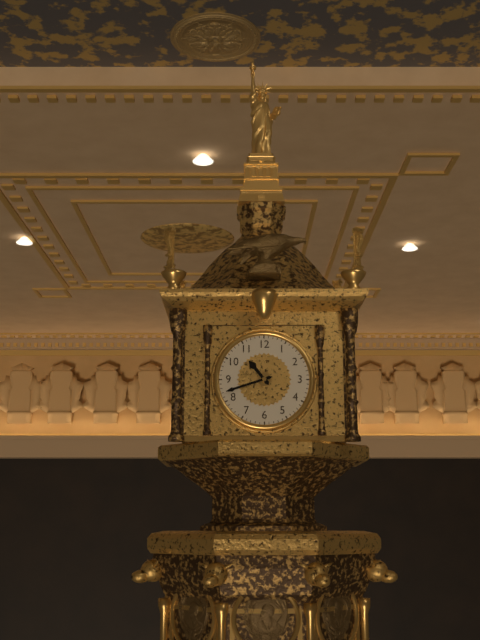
10:42
